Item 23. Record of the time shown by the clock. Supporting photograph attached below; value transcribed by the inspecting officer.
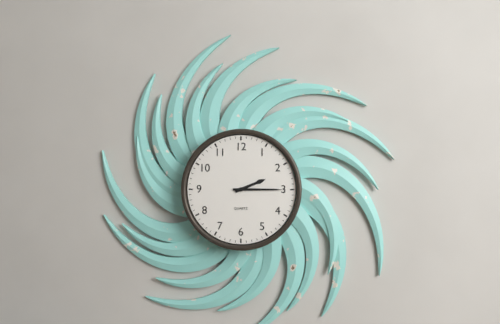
2:15
